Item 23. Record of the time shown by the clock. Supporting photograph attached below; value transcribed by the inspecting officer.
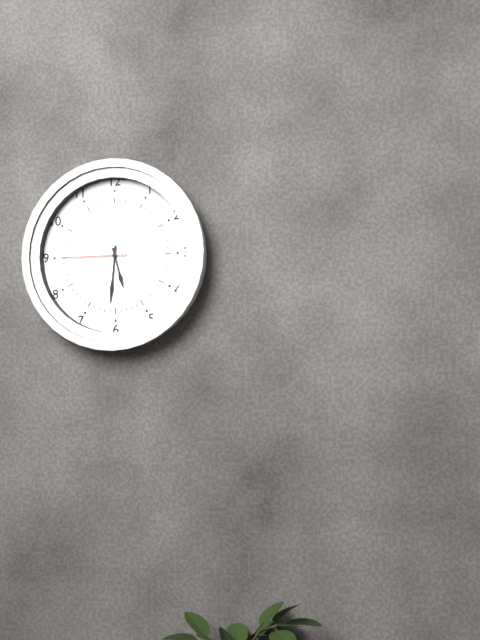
5:31:45
